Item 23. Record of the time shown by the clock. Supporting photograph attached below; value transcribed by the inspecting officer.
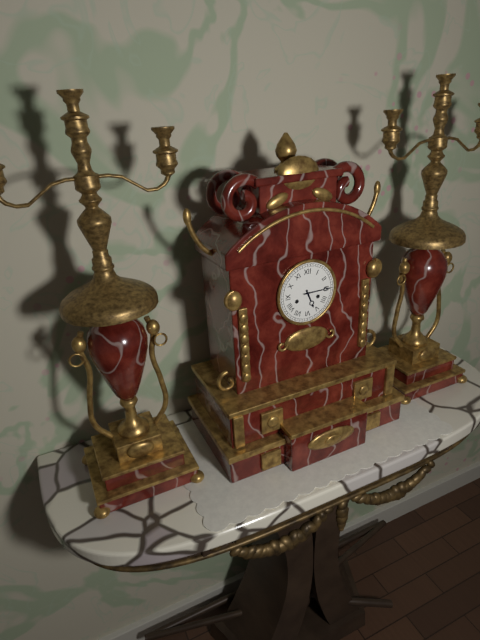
5:15
